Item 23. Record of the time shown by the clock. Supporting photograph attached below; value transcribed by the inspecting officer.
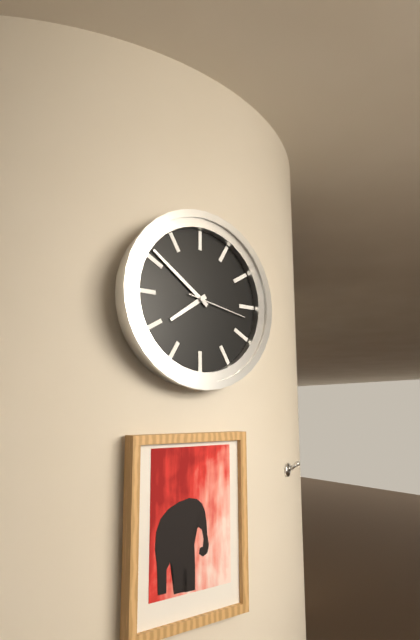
7:51:17
